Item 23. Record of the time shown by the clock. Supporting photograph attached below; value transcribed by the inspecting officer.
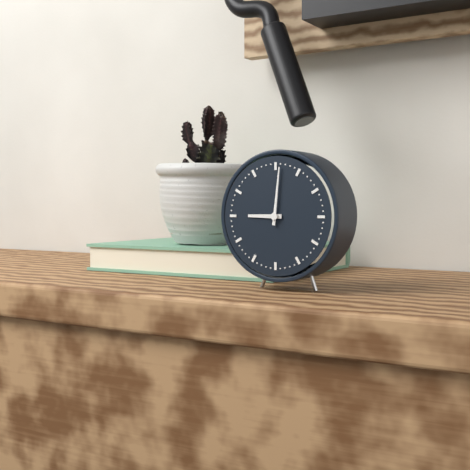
9:01
